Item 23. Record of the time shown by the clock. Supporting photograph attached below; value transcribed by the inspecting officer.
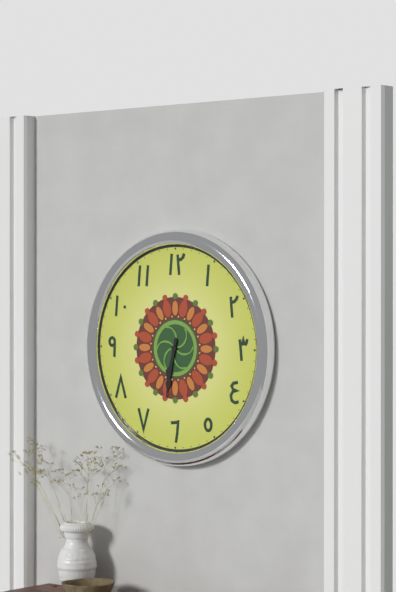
6:32
